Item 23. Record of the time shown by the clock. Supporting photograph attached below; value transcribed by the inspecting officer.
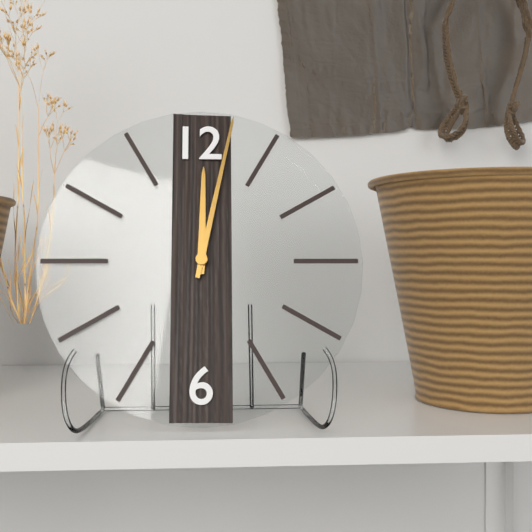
12:02
